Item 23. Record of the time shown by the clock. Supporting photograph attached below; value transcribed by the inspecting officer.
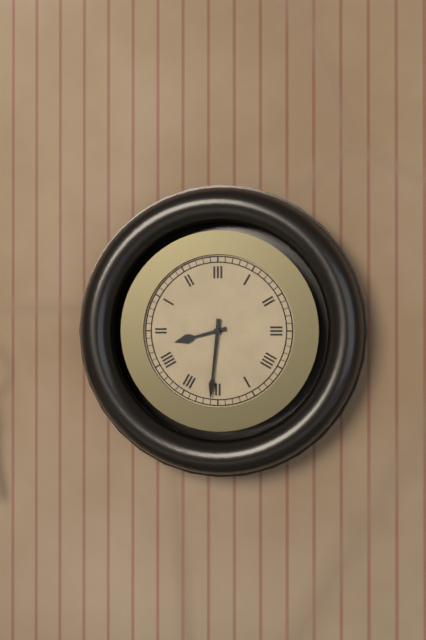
8:31
